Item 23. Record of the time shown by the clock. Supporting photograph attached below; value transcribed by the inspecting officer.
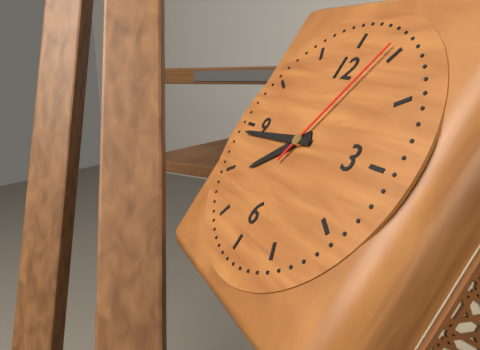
7:44:04
